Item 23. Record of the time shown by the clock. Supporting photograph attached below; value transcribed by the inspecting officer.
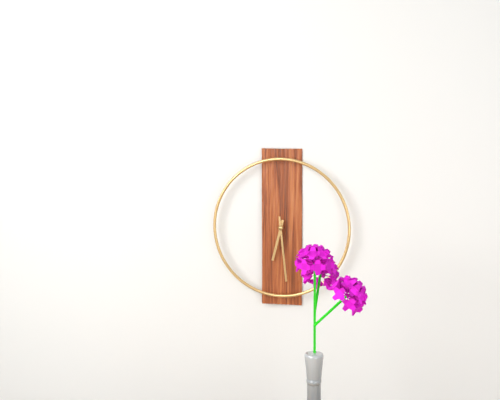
6:29
